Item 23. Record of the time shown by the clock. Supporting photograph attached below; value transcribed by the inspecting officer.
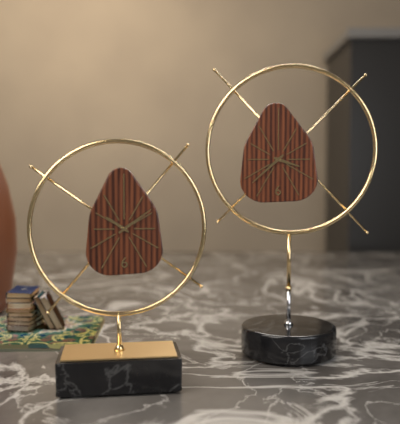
3:38
